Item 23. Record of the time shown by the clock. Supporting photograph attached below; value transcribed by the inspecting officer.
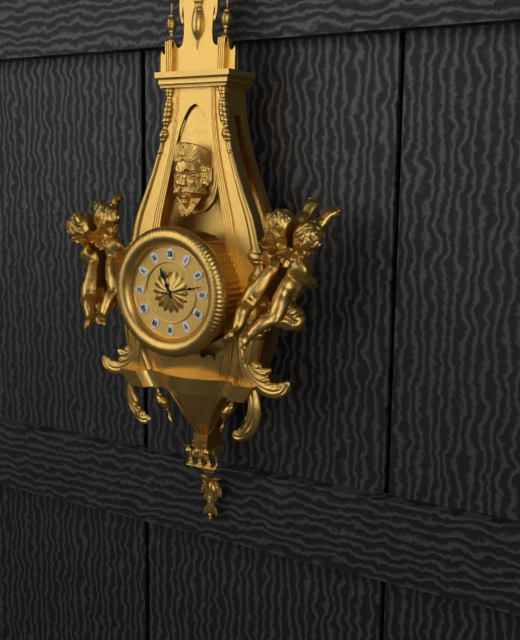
11:13
